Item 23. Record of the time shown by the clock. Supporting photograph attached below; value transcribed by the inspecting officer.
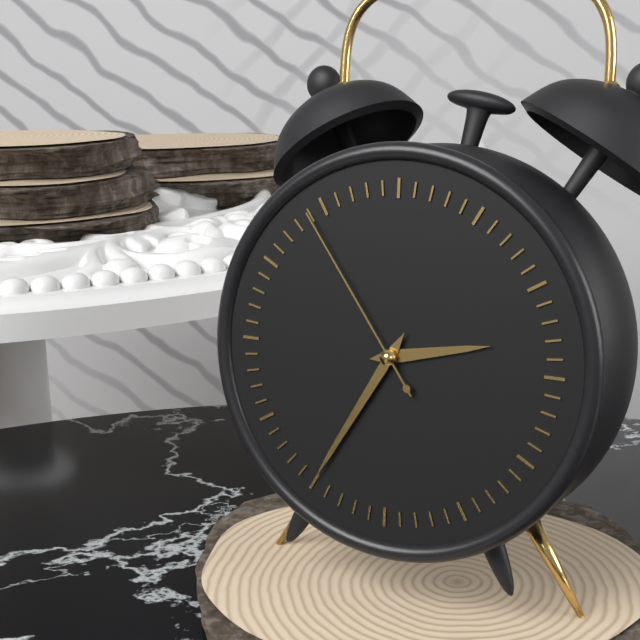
2:35:54
